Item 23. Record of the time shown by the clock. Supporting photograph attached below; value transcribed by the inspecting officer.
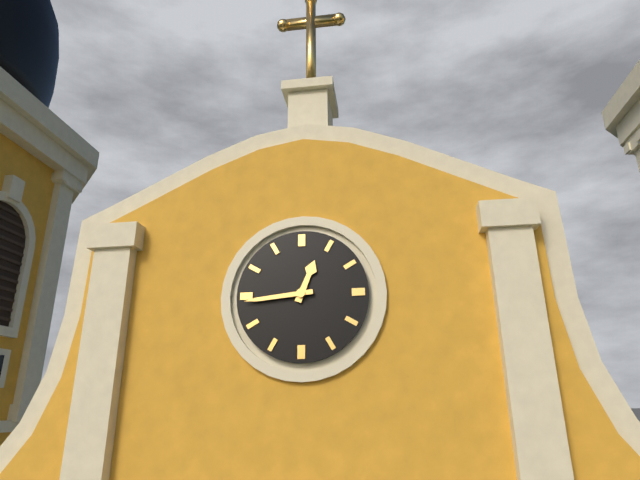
12:44
